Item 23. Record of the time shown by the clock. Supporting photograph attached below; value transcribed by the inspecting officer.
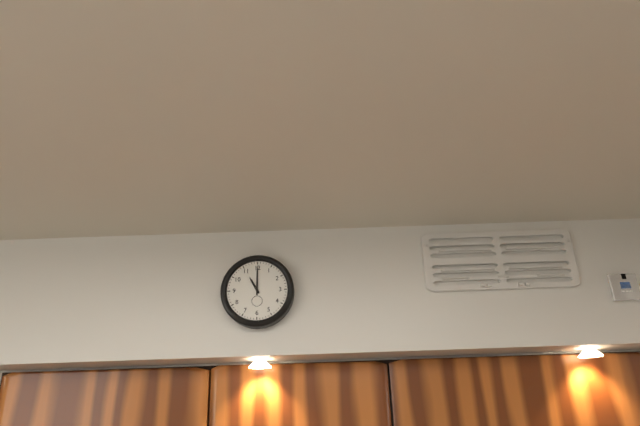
11:00
